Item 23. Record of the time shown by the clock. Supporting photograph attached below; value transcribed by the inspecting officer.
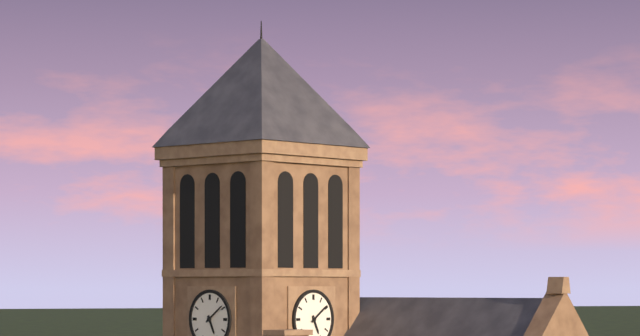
5:09
